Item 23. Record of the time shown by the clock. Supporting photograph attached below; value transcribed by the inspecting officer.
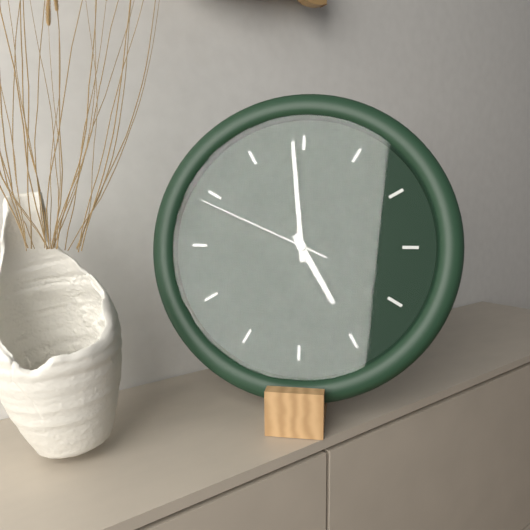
4:59:49
